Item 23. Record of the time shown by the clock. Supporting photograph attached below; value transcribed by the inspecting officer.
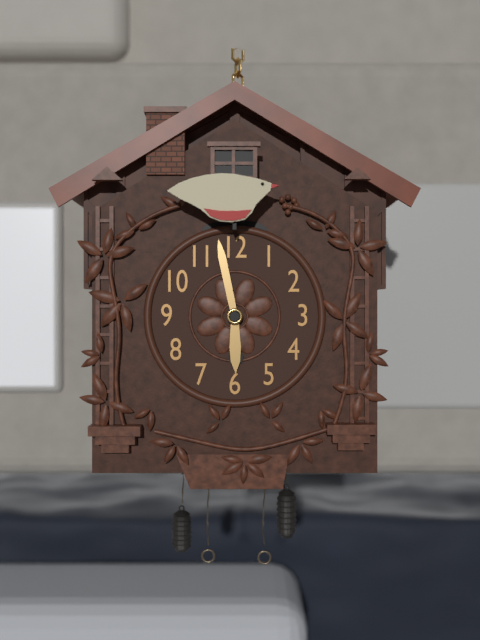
5:58
